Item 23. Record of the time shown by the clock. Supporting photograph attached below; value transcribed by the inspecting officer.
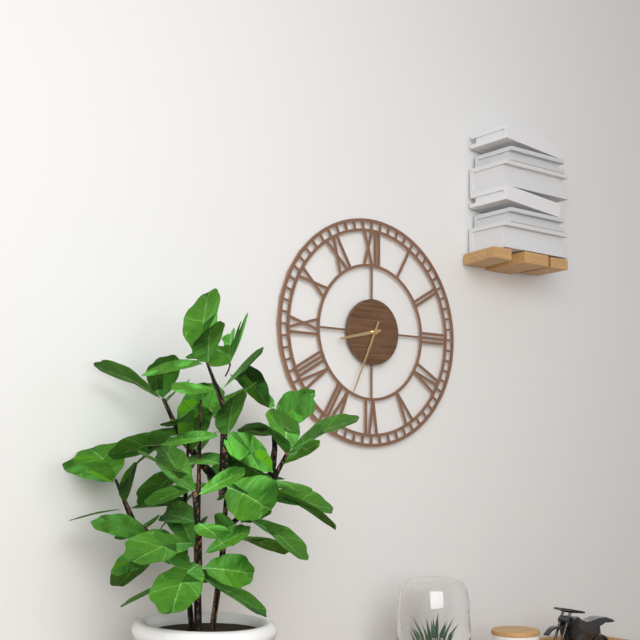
8:34
